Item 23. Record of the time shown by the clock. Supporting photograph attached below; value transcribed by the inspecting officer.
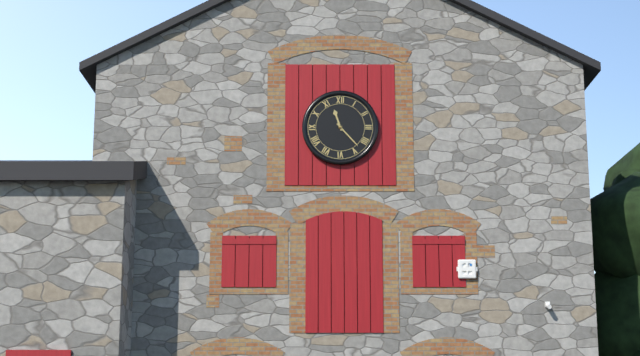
11:23
